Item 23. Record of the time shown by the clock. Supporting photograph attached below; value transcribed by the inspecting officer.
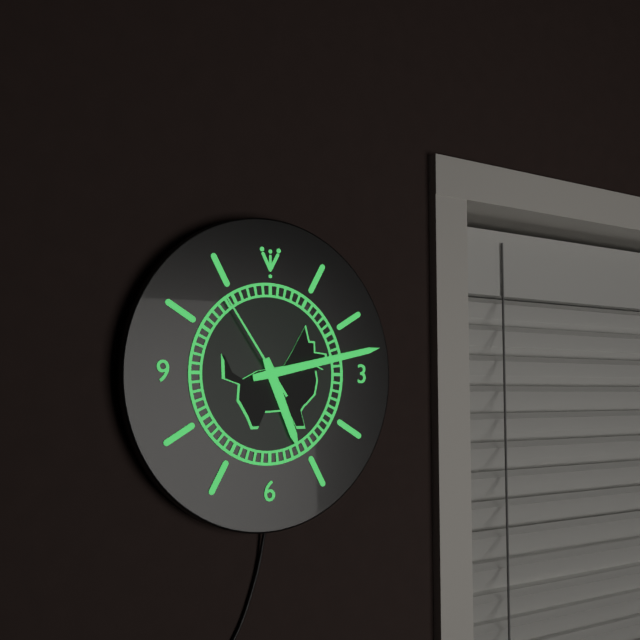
5:13:54
